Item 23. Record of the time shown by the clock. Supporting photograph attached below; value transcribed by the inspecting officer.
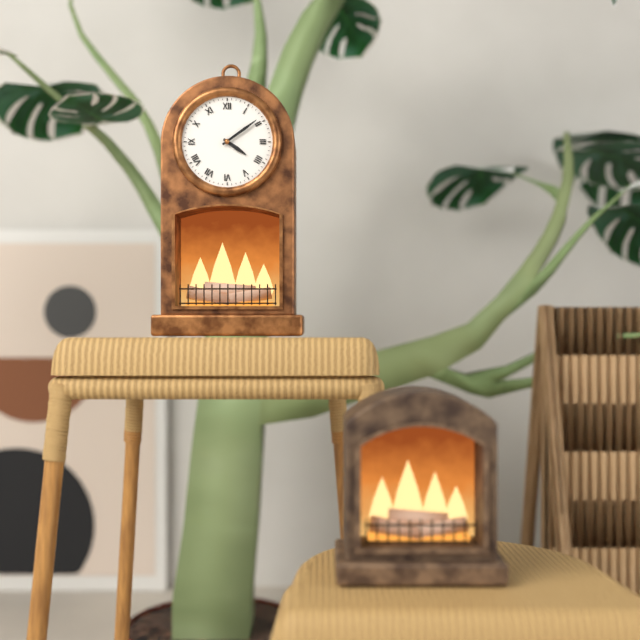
4:09
